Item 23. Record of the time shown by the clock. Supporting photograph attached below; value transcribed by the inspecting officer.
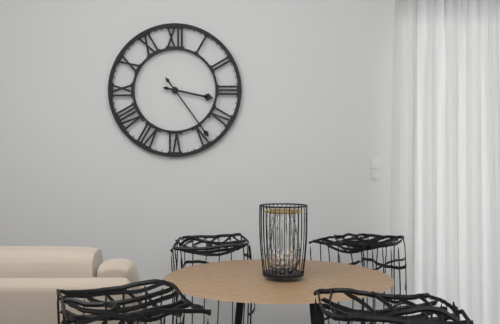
3:24
